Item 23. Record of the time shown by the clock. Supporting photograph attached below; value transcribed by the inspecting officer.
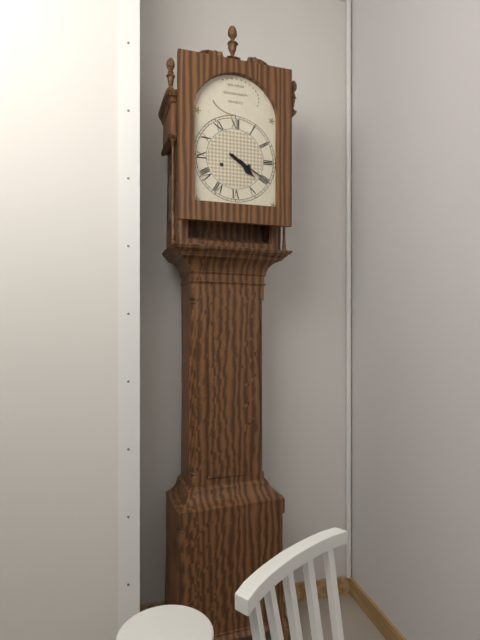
4:20
